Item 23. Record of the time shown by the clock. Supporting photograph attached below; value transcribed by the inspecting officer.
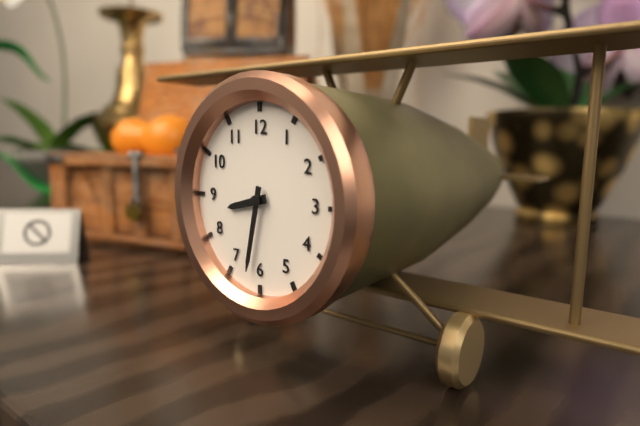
8:32
